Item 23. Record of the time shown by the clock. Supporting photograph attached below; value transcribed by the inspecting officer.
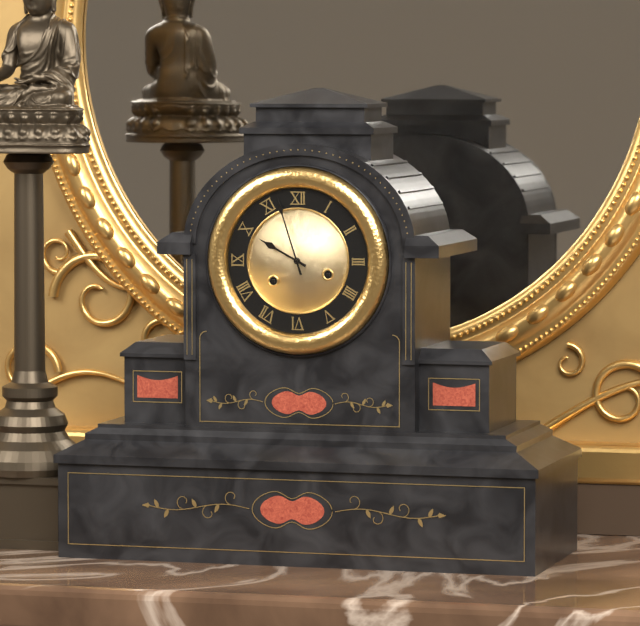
9:57
